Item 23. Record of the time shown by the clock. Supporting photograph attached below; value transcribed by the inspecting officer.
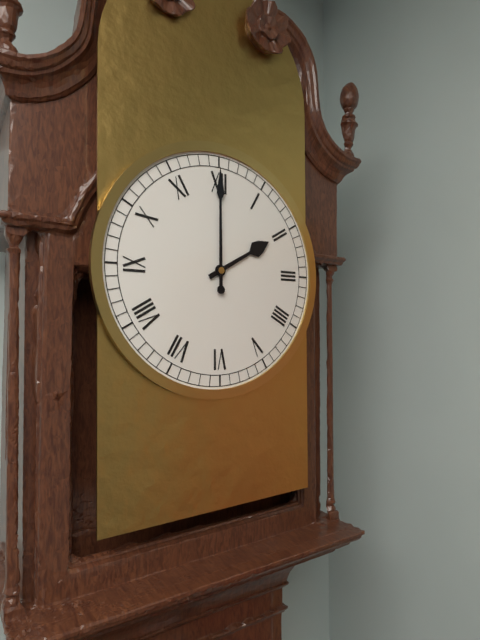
2:00
